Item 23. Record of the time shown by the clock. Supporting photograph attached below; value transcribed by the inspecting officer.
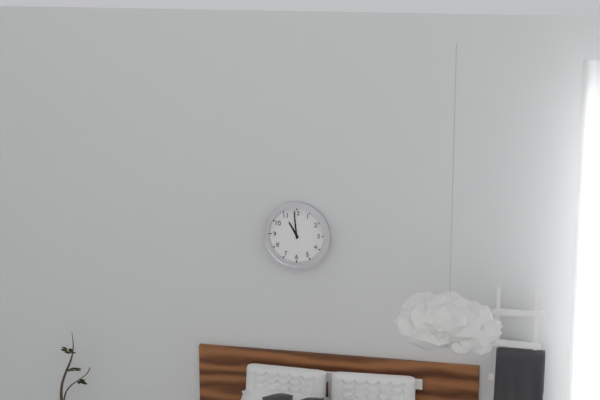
10:59
